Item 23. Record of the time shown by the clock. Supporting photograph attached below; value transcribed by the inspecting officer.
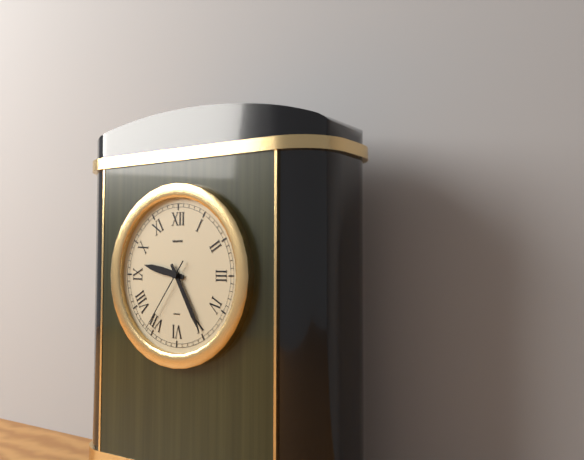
9:25:36
